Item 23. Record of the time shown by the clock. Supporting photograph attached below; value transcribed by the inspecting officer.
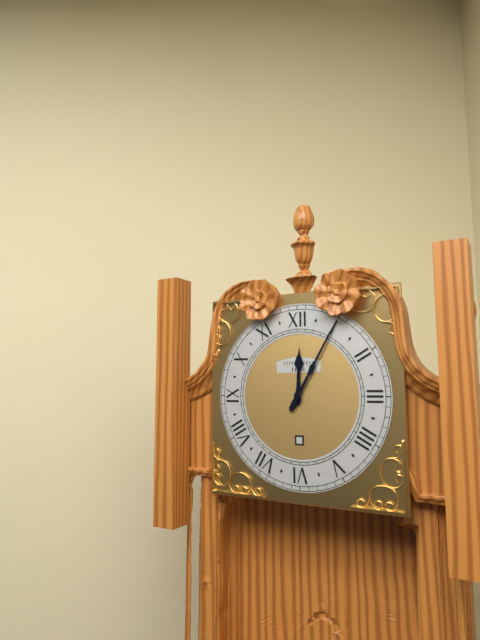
12:05
